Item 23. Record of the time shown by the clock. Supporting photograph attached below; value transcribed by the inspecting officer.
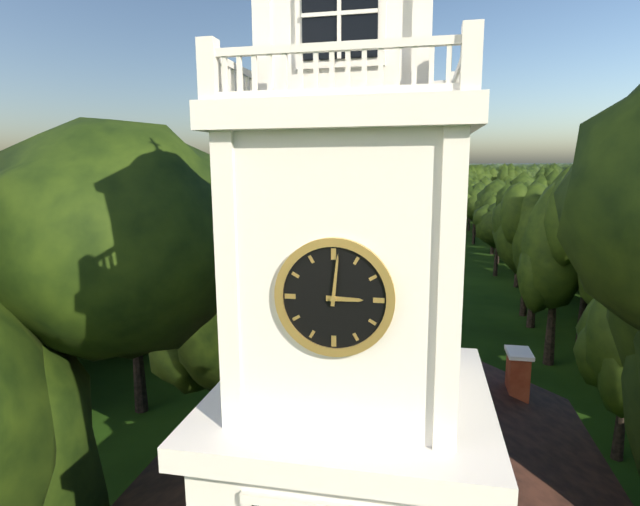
3:01
